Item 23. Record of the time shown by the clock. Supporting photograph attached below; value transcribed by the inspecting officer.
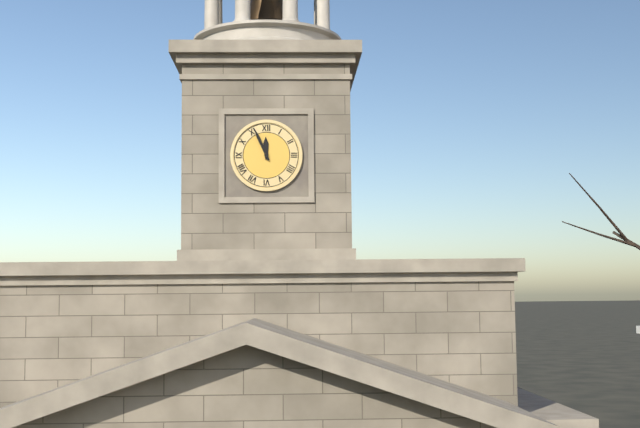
11:56
